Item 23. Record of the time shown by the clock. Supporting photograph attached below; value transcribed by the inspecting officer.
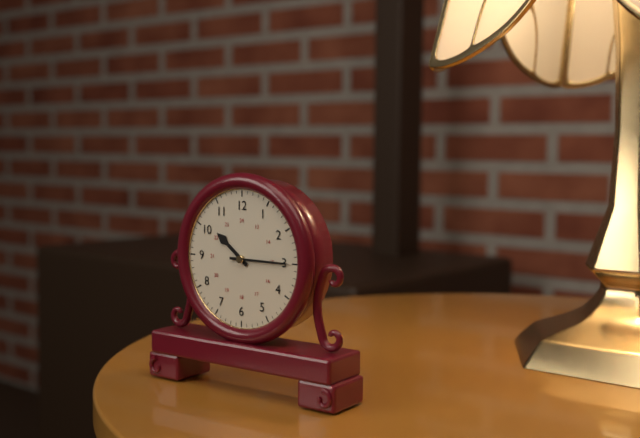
10:15
